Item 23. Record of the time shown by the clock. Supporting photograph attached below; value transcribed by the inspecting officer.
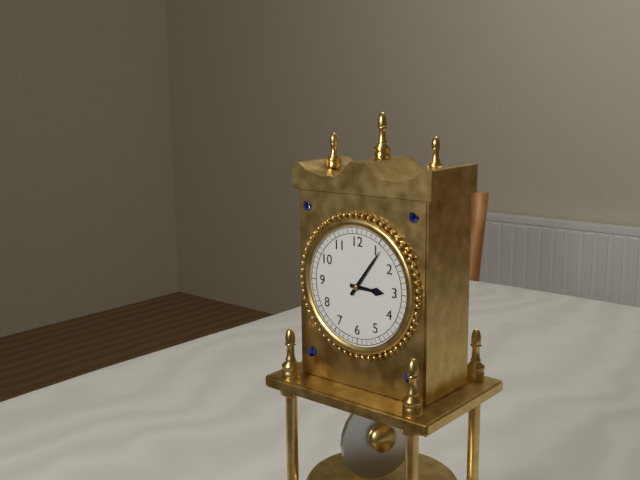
3:06
